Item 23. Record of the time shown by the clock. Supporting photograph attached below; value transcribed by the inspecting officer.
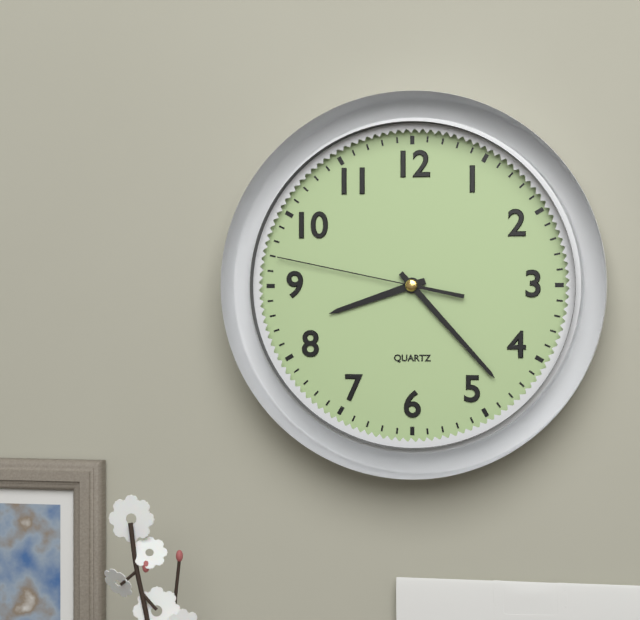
8:23:47
